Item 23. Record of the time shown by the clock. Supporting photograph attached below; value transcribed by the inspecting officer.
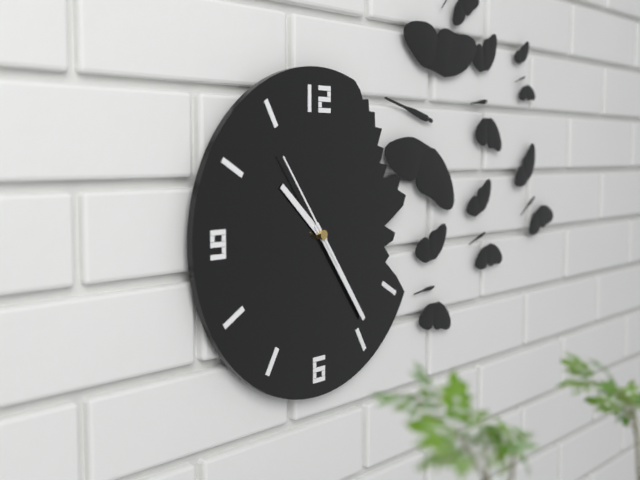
10:24:54
